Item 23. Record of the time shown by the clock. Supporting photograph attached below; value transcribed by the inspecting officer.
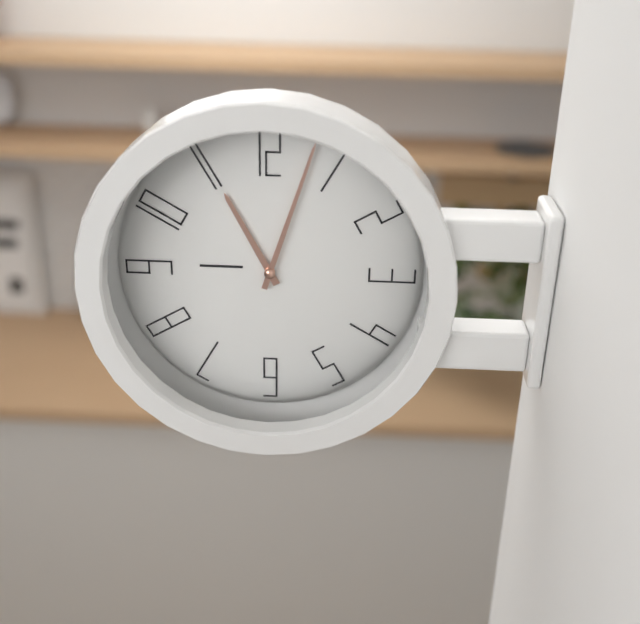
11:03
